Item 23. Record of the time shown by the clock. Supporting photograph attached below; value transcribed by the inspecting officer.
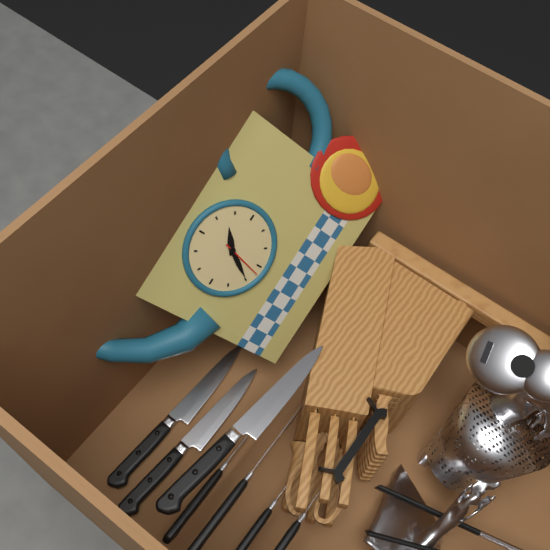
1:35:32
